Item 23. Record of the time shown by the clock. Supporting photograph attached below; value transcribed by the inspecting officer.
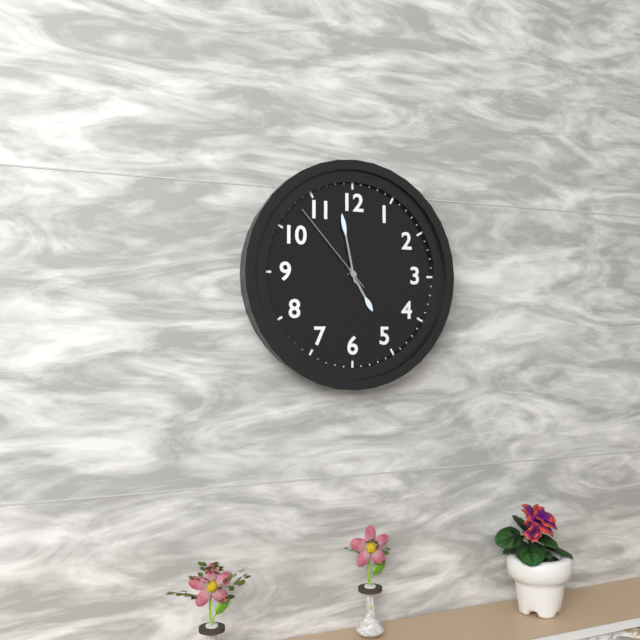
4:58:53
